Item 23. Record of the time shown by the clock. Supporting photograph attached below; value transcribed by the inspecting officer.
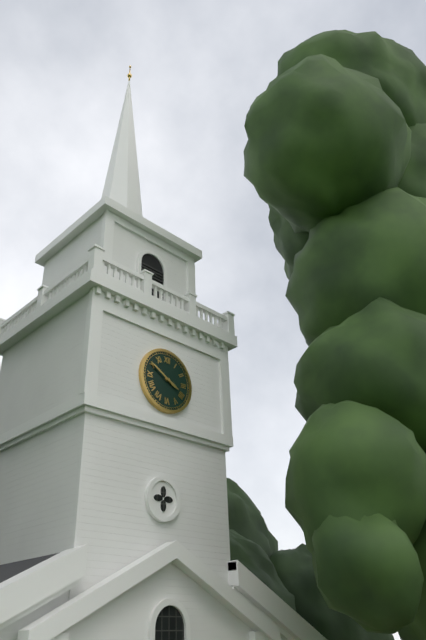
3:50
